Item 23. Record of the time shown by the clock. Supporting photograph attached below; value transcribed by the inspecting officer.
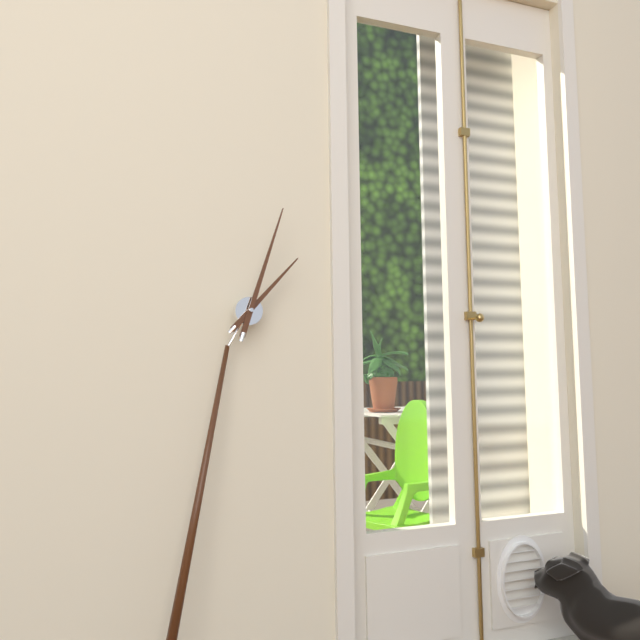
1:01
